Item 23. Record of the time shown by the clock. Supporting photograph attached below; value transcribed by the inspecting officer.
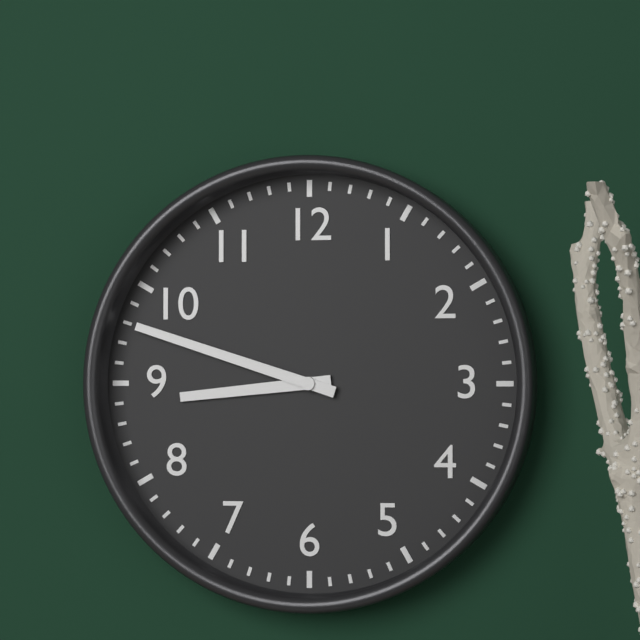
8:48
